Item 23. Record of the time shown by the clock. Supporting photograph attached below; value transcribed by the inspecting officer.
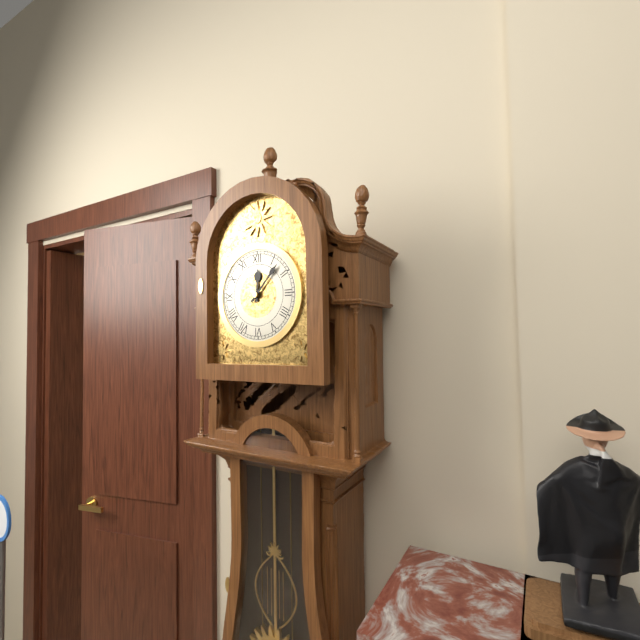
12:07
